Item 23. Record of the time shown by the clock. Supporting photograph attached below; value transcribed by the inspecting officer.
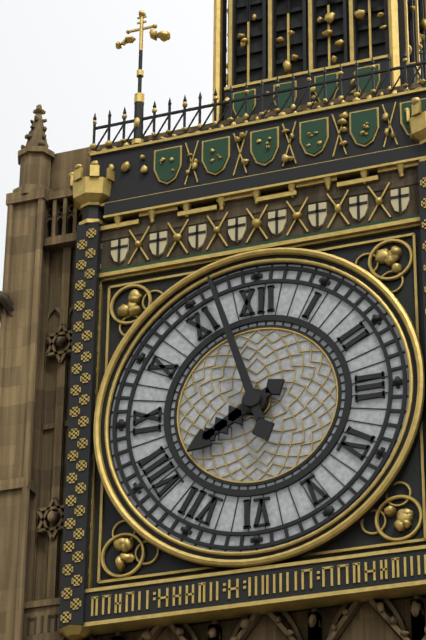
7:57
